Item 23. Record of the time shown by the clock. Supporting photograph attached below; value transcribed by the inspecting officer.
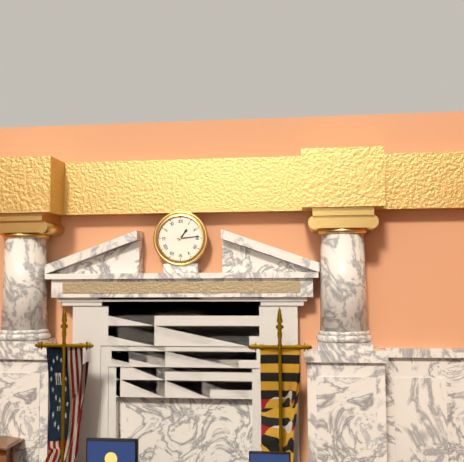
1:14
